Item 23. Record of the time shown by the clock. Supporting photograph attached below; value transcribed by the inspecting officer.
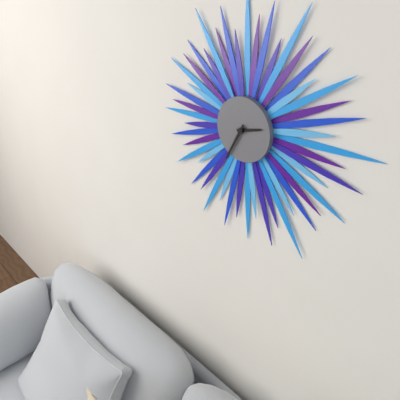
2:35
